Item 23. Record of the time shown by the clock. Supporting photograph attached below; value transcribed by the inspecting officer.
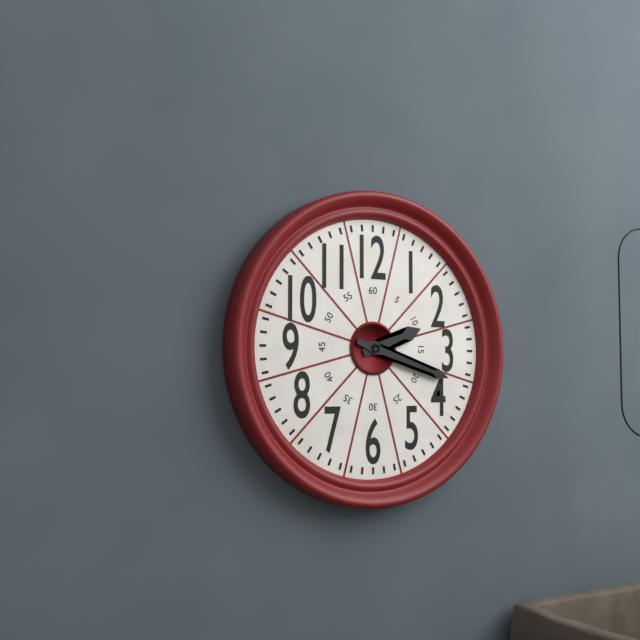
2:18
